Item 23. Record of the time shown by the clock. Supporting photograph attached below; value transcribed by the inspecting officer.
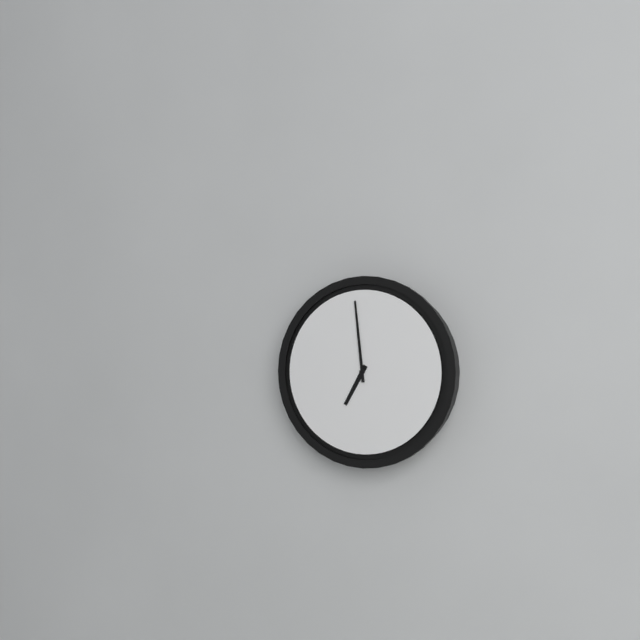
6:59
